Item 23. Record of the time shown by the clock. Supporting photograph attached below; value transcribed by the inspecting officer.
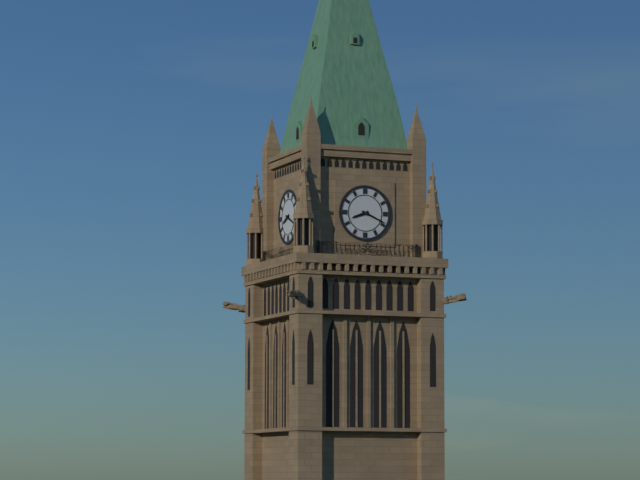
8:19
